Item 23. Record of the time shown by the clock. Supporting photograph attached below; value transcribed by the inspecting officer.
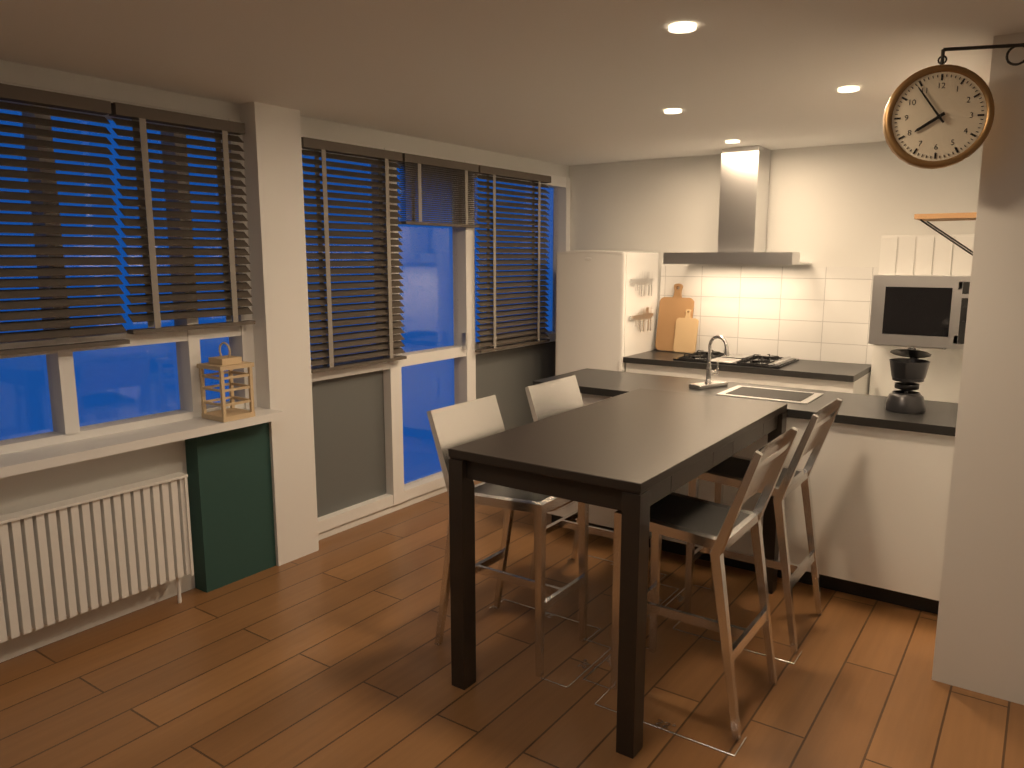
7:54
